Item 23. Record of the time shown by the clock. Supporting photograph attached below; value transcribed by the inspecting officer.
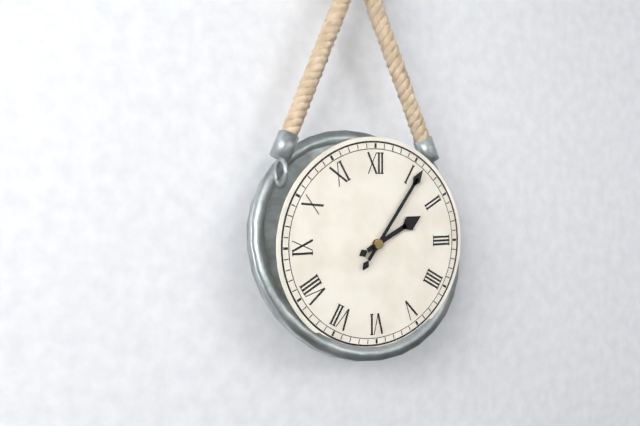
2:06
